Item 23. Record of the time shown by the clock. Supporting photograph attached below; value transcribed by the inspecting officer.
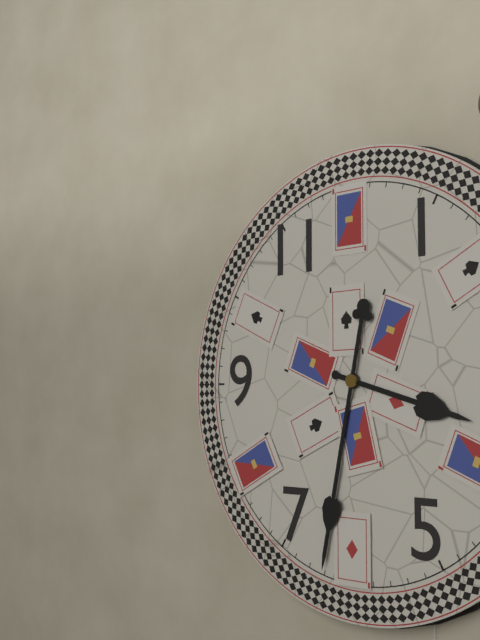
3:32
